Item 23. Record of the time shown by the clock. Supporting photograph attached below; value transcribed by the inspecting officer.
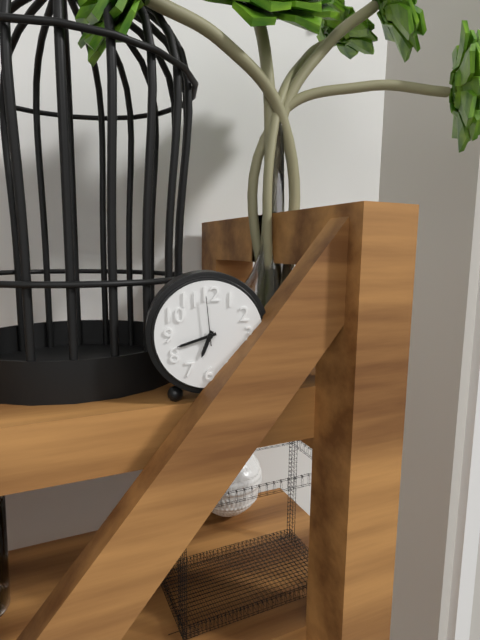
6:42:59
